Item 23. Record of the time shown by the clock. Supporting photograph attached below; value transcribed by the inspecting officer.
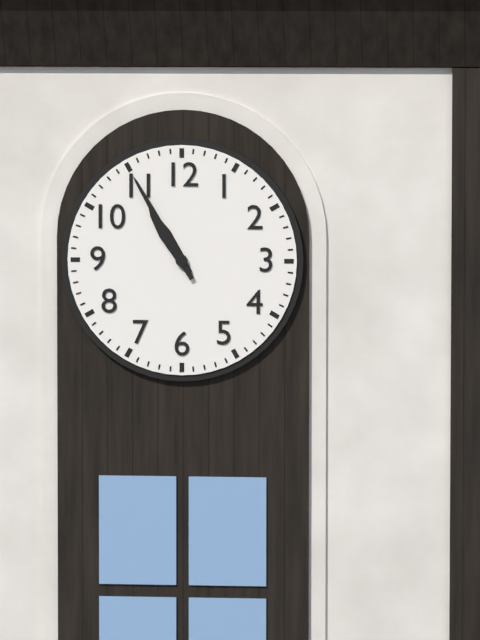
10:55
